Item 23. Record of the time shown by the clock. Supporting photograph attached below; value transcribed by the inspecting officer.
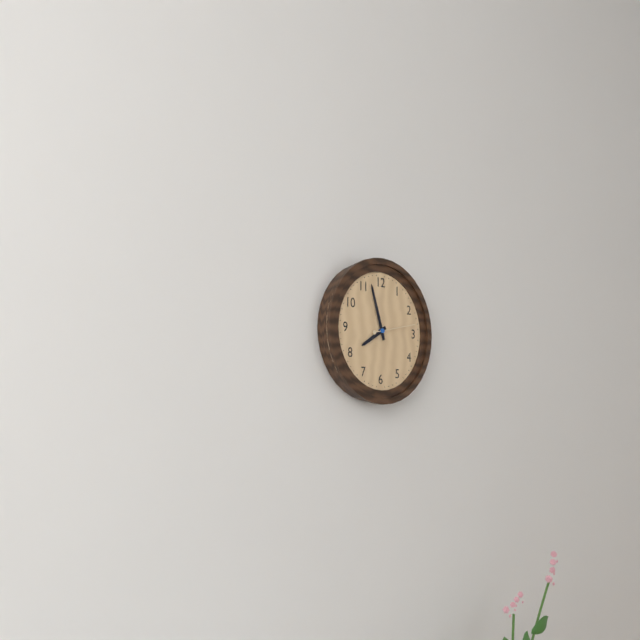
7:57
